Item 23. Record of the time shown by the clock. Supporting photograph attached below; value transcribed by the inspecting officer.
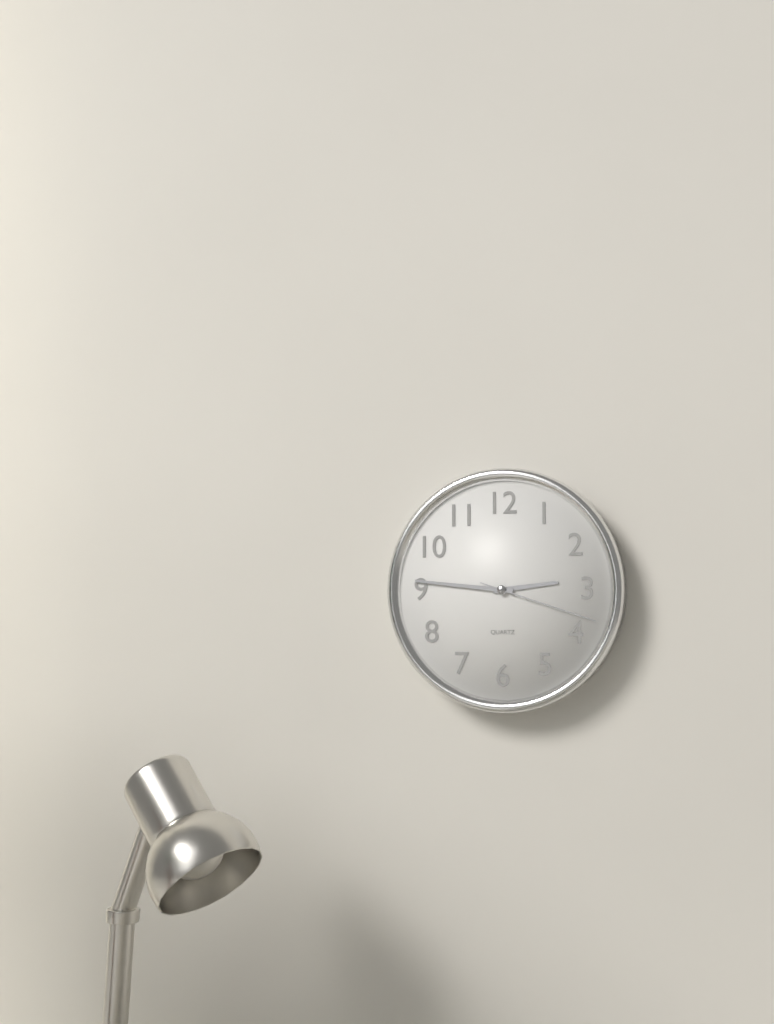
2:46:18
